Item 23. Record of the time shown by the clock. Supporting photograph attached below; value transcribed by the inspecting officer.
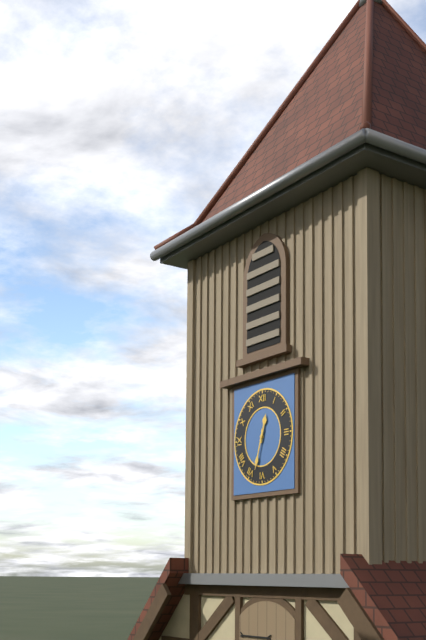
12:33
